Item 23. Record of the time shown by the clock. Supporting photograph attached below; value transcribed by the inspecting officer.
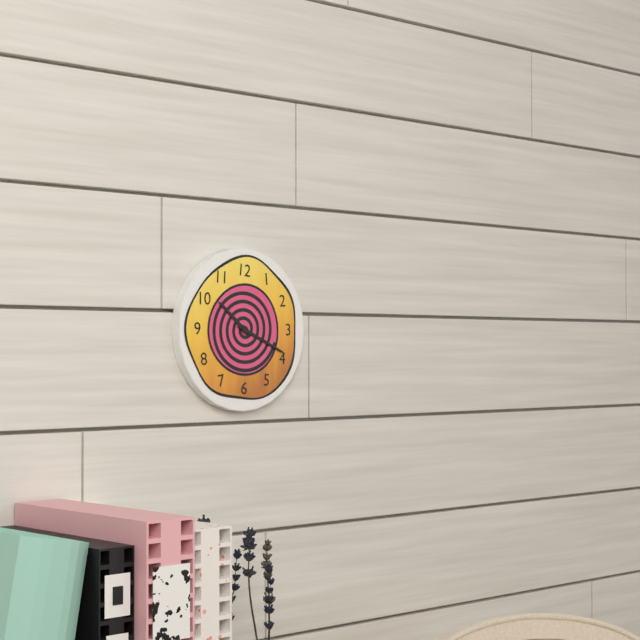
10:19
